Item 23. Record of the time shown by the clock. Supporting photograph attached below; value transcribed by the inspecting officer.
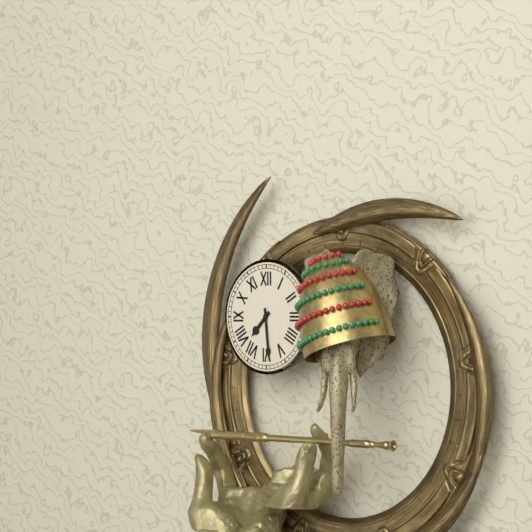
7:29
